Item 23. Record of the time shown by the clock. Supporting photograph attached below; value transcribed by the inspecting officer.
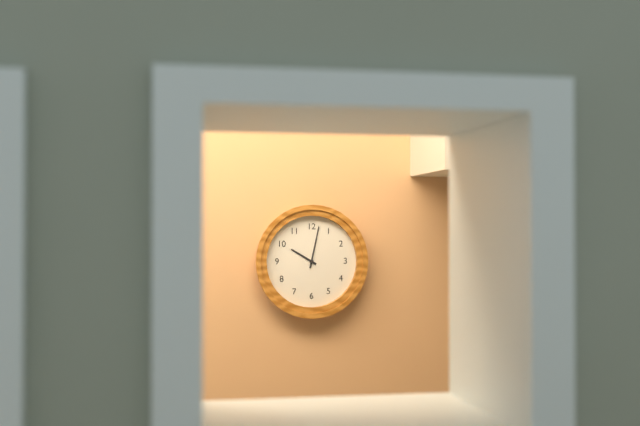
10:02
